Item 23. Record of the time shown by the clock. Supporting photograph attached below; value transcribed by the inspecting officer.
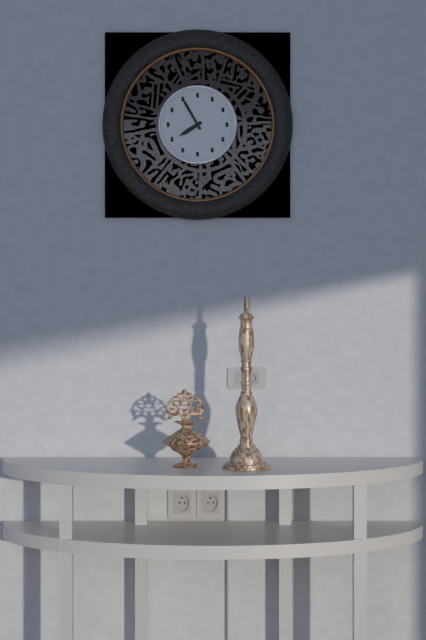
7:55
